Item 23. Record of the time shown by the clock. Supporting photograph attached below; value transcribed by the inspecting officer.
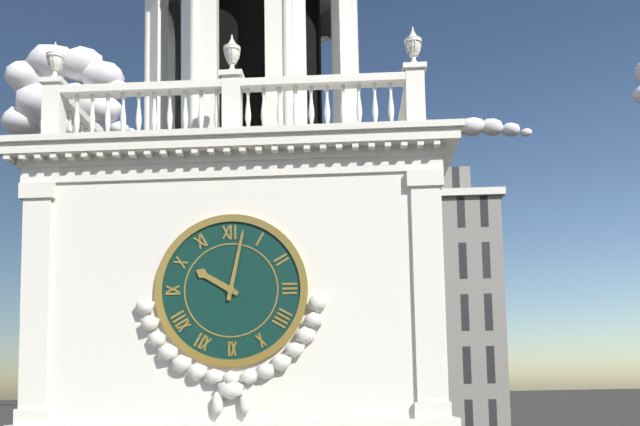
10:02
